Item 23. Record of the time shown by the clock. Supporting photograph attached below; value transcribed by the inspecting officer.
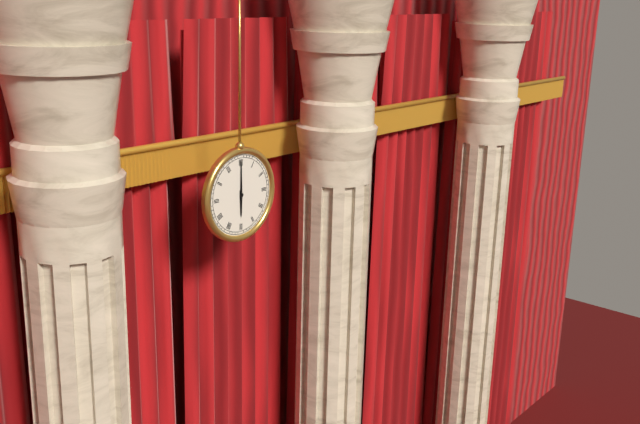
6:00
